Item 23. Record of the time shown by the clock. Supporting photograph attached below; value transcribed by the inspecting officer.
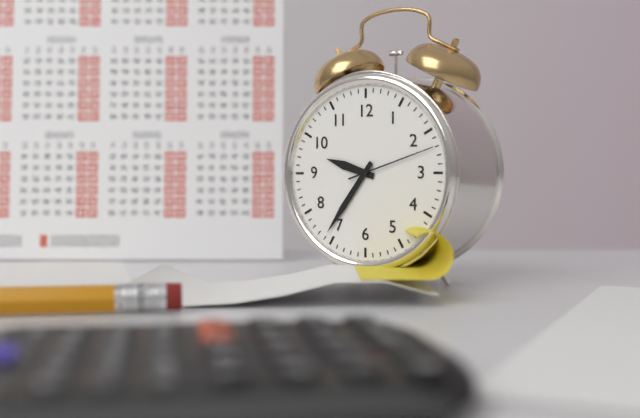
9:36:12
